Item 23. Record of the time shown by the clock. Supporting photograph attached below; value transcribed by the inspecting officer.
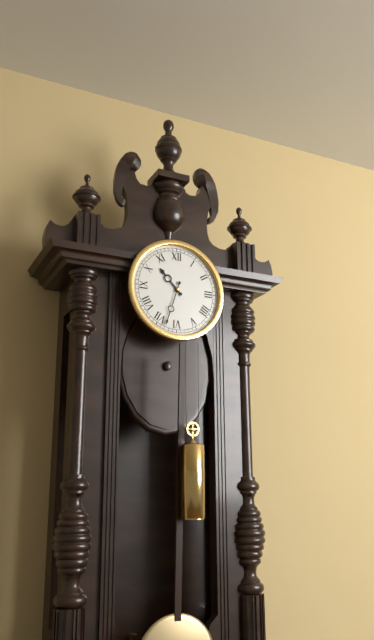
10:33
